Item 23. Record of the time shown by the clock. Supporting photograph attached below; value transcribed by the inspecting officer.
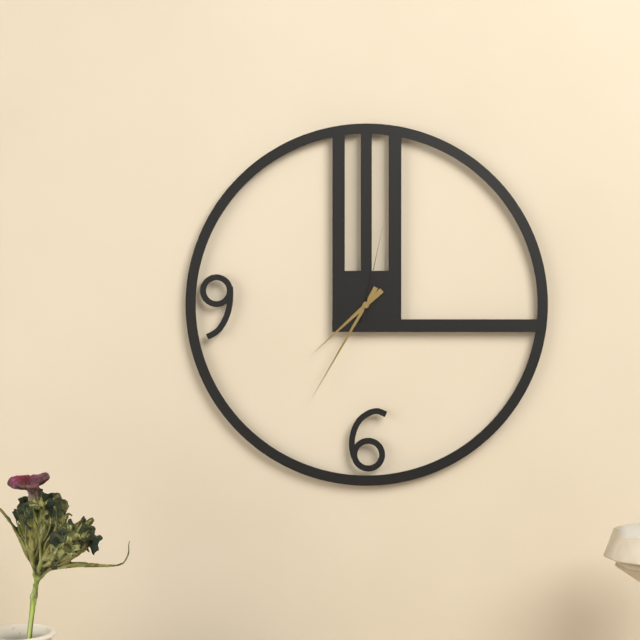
7:35:02
